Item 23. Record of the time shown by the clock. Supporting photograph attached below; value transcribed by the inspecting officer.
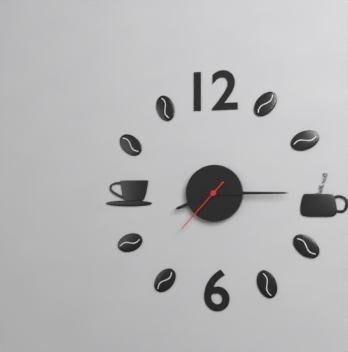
8:15:37
